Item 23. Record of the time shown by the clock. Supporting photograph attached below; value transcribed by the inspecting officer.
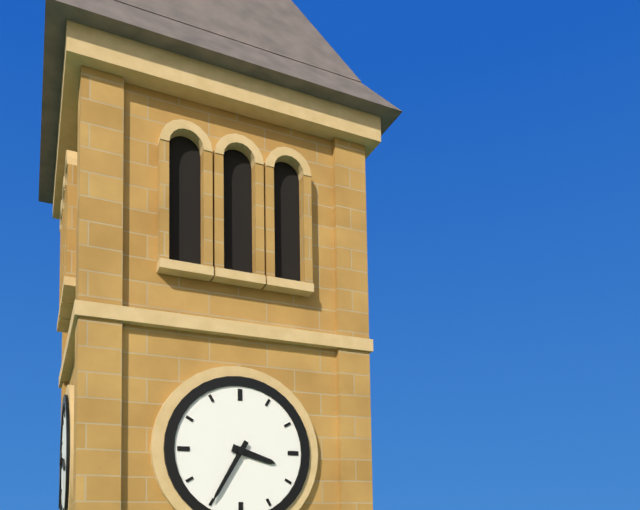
3:35
